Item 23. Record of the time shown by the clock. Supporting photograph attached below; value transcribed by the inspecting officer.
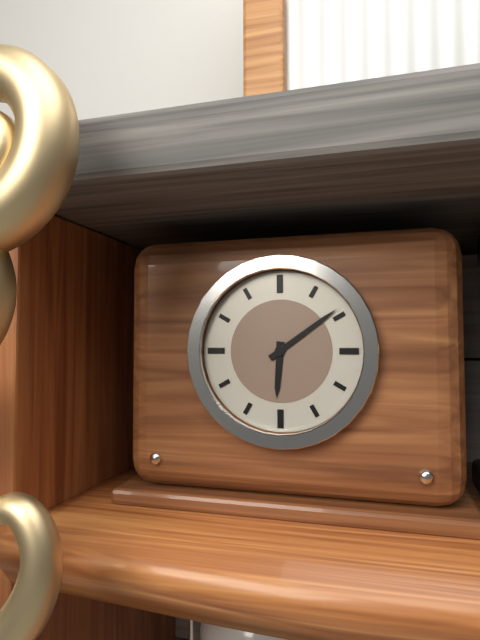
6:09
